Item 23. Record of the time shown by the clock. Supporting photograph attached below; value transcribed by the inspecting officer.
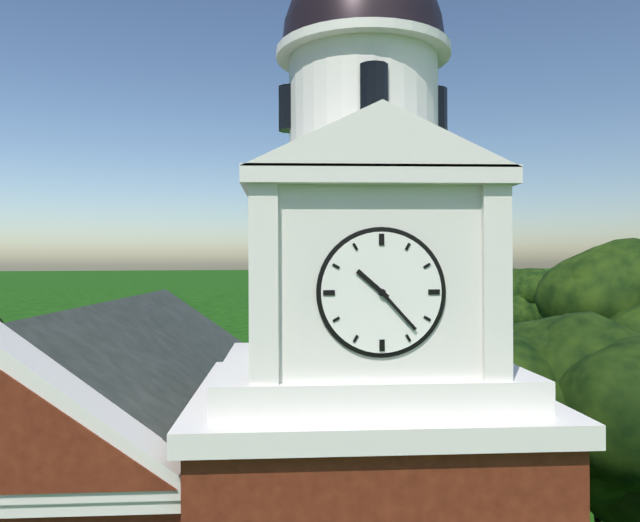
10:23
